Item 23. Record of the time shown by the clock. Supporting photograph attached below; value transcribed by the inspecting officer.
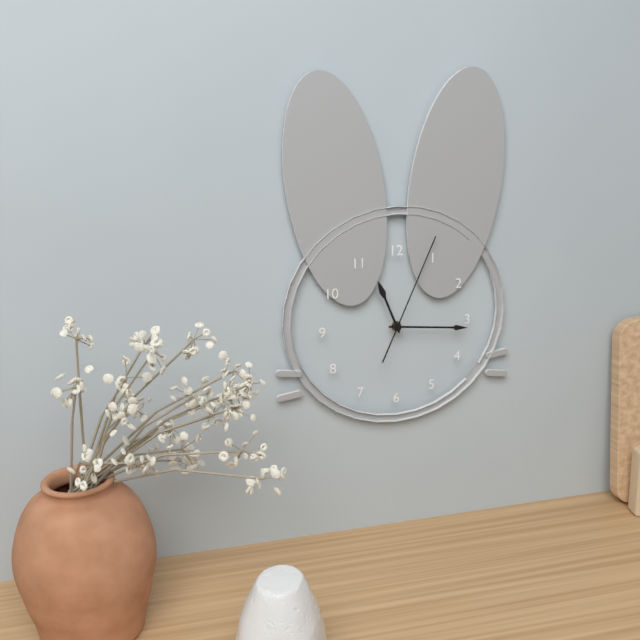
11:16:04
